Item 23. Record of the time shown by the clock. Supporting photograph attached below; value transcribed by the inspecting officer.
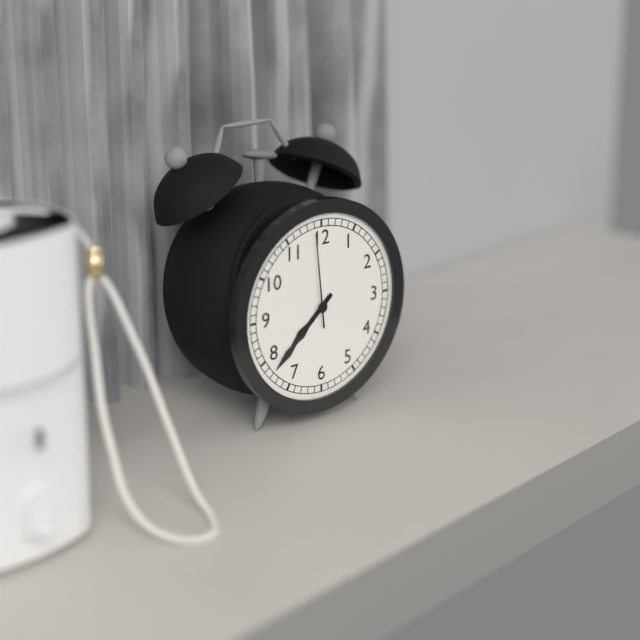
7:38:59
